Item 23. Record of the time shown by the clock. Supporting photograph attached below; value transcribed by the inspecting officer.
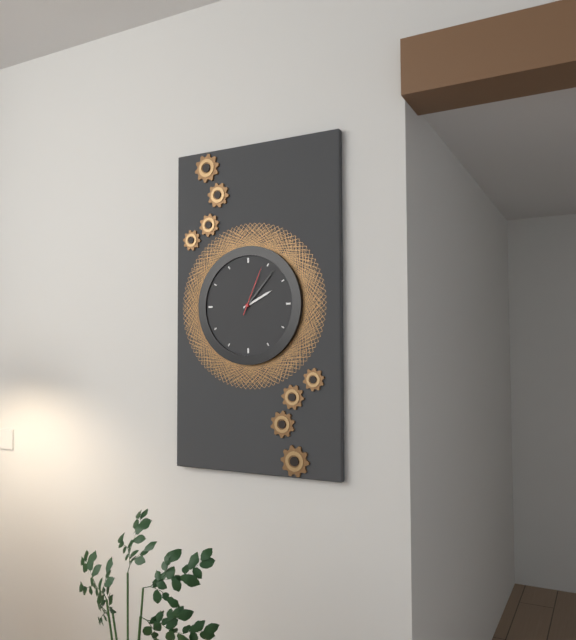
2:07:04
